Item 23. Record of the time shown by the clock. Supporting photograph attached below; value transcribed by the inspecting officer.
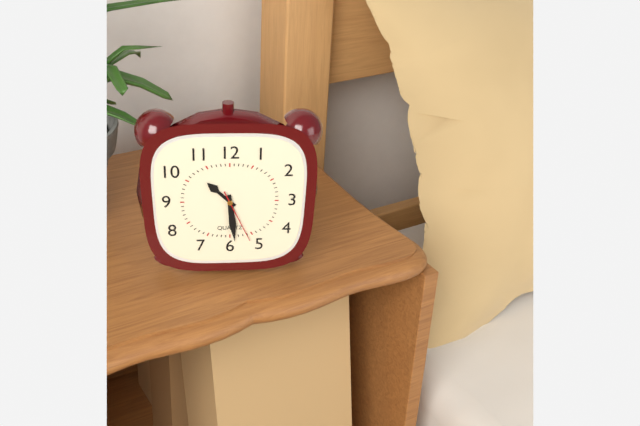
10:29:26
